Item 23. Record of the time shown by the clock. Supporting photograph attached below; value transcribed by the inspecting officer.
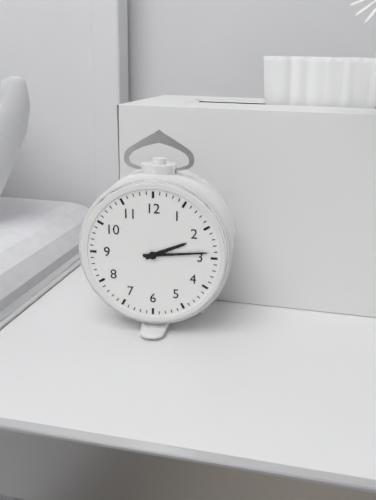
2:14
